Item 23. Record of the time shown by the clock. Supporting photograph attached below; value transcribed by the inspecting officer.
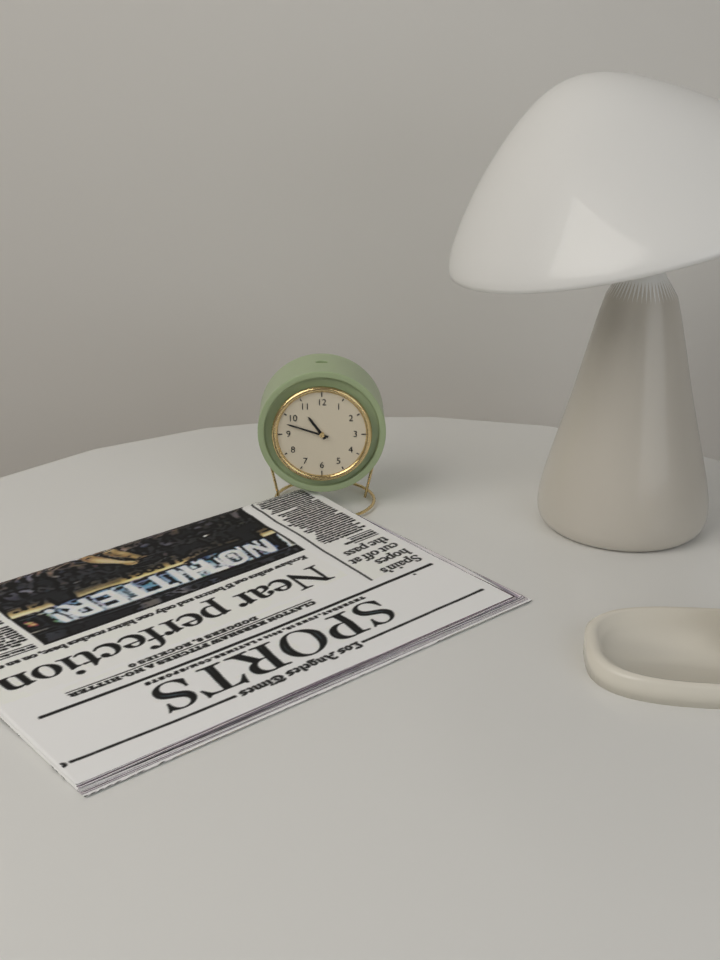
10:48
